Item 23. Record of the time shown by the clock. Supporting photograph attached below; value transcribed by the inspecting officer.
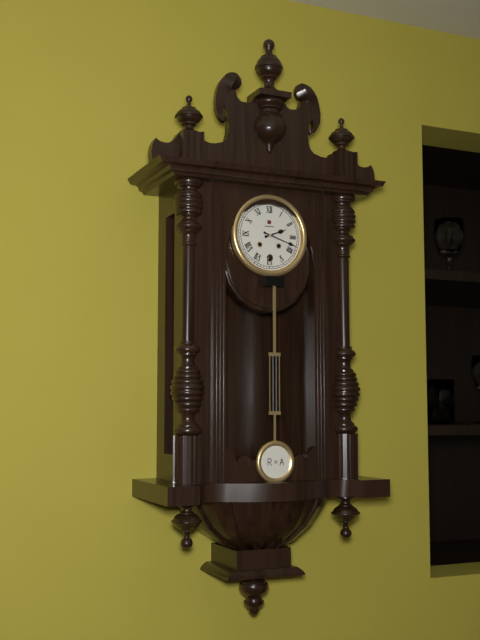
2:18
